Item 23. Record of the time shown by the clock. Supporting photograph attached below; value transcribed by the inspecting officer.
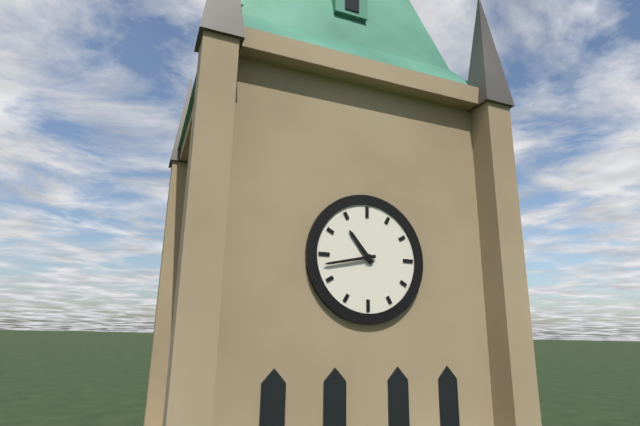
10:43
